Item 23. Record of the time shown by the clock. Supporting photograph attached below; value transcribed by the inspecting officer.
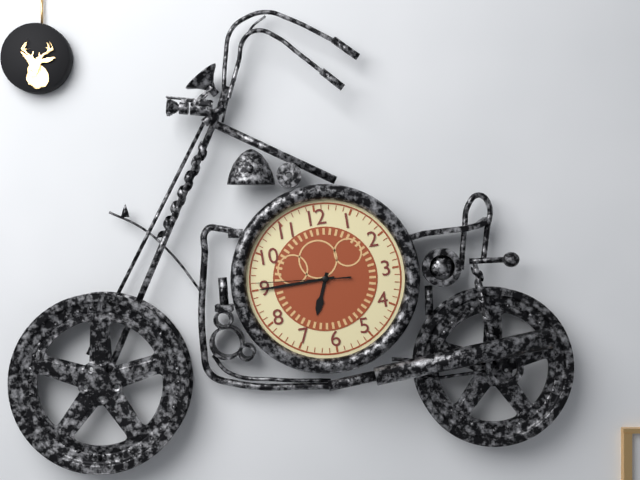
6:45:46
